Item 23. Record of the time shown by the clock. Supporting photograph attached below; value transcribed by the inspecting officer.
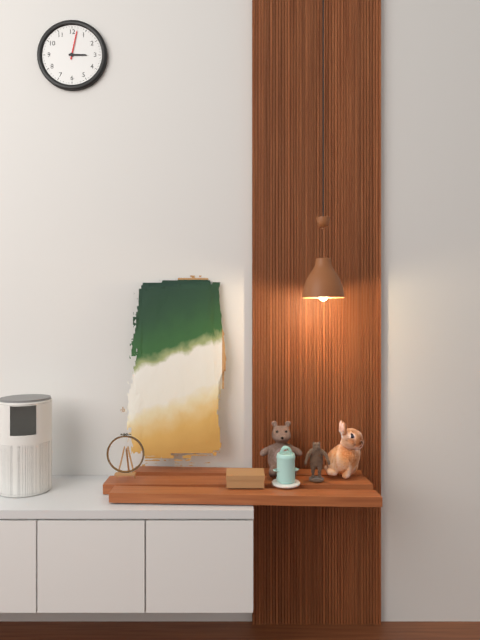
3:02
